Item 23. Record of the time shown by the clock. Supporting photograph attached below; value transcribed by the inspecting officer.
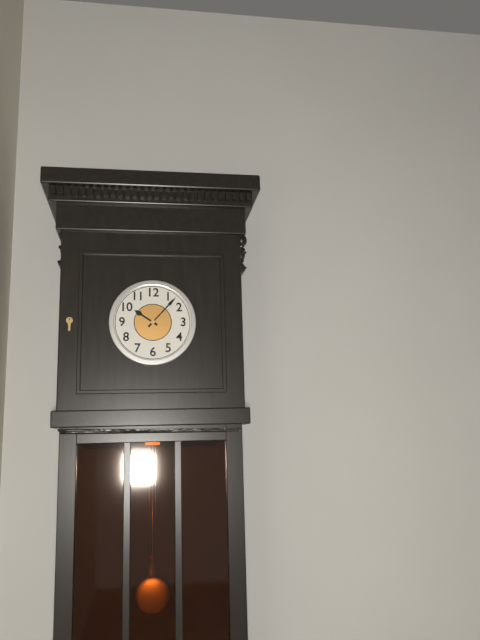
10:07
